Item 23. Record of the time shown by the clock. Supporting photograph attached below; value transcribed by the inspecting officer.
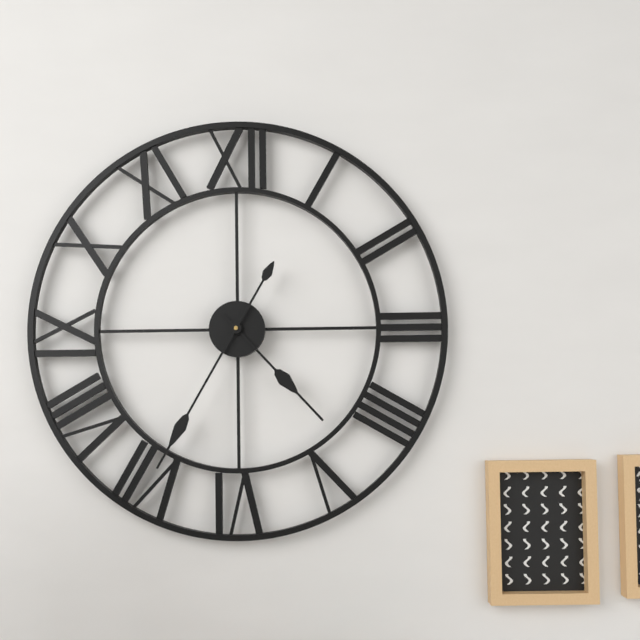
4:35
